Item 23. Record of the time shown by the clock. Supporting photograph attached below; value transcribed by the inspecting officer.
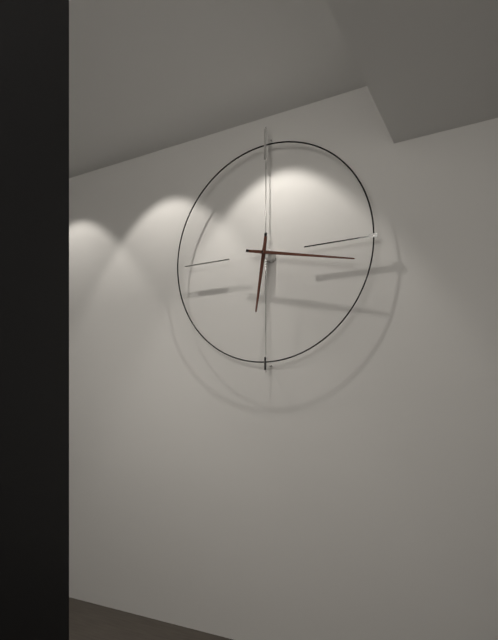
6:17
